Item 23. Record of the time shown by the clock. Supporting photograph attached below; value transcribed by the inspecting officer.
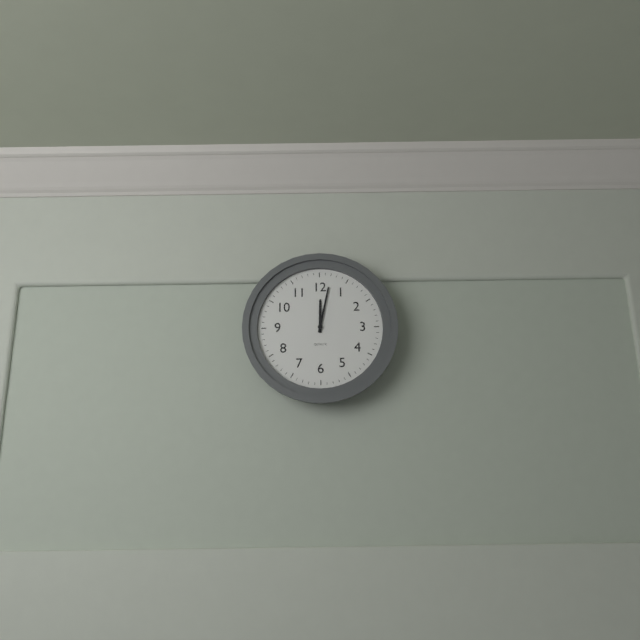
12:02
